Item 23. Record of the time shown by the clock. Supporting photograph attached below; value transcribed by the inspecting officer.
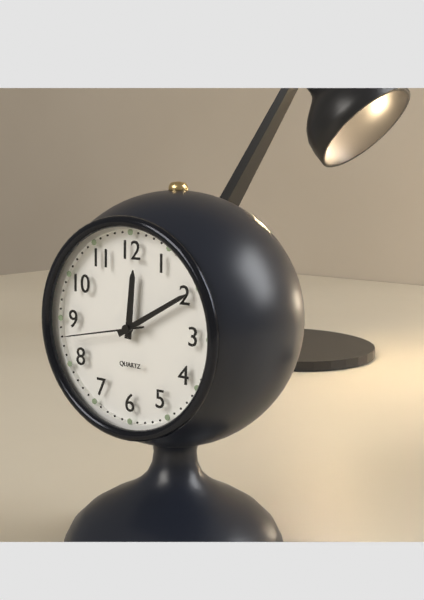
12:10:43
